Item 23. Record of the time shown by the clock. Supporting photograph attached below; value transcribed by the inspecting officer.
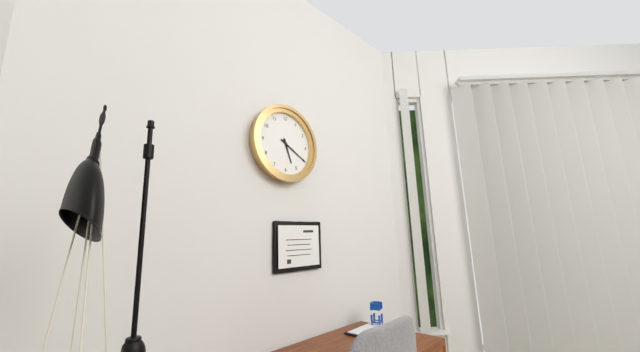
5:20
